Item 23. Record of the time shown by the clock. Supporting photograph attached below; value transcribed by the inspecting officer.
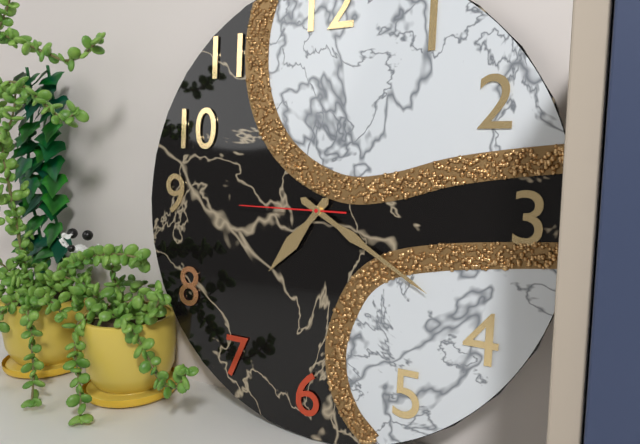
7:20:45
